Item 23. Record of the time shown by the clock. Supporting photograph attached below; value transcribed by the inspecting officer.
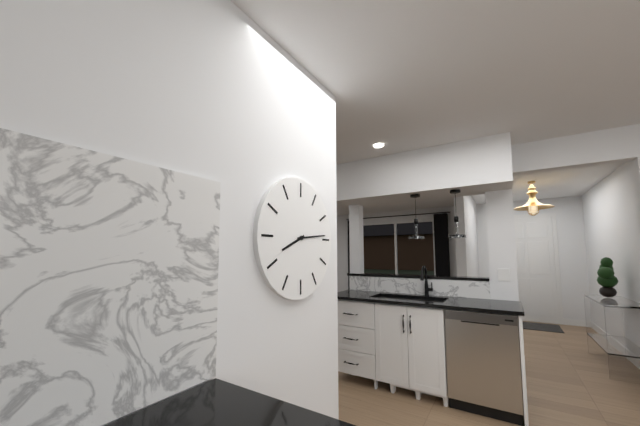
8:14
